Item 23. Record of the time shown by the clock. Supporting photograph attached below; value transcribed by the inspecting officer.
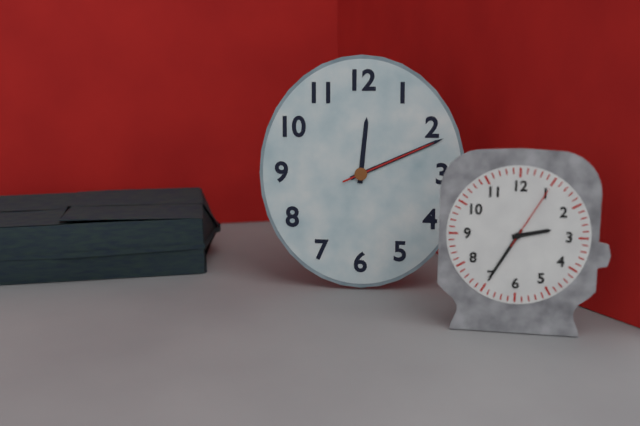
12:11:11
